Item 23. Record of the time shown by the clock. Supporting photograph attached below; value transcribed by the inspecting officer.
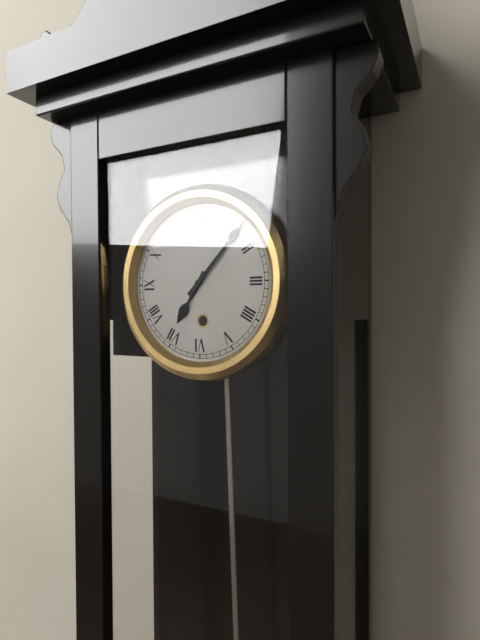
7:07
